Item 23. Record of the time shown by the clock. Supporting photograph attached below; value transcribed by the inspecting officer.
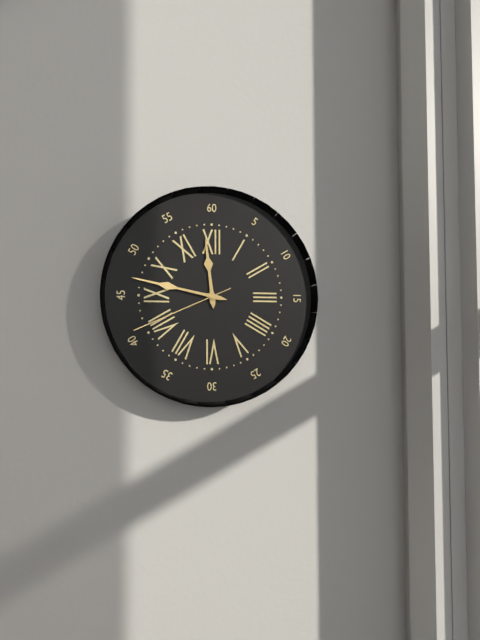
11:47:41
